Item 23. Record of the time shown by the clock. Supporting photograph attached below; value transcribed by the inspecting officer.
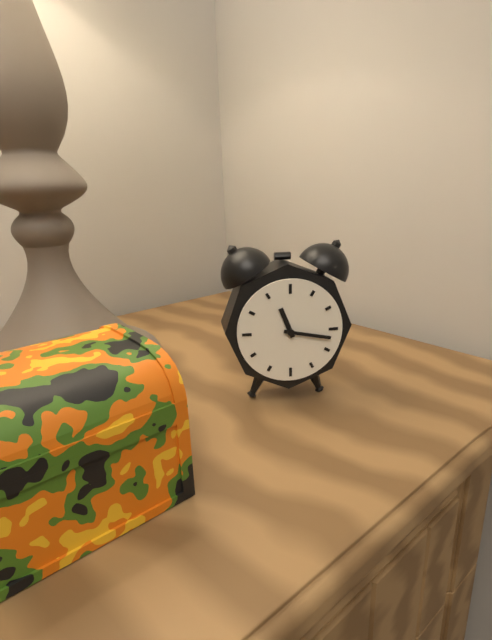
11:17
